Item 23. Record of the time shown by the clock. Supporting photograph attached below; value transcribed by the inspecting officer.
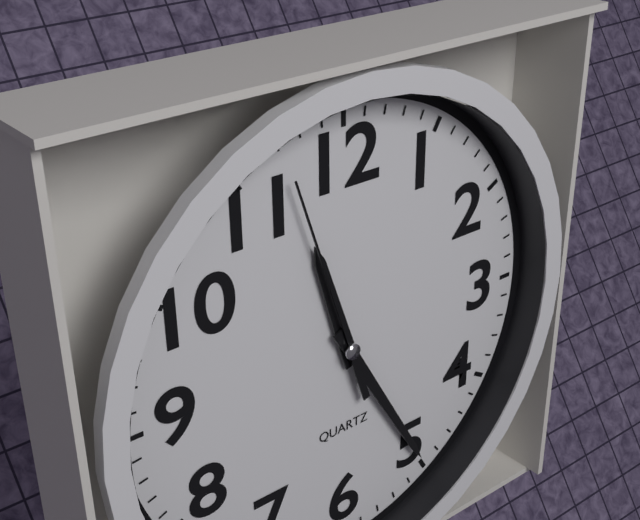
11:25:57
